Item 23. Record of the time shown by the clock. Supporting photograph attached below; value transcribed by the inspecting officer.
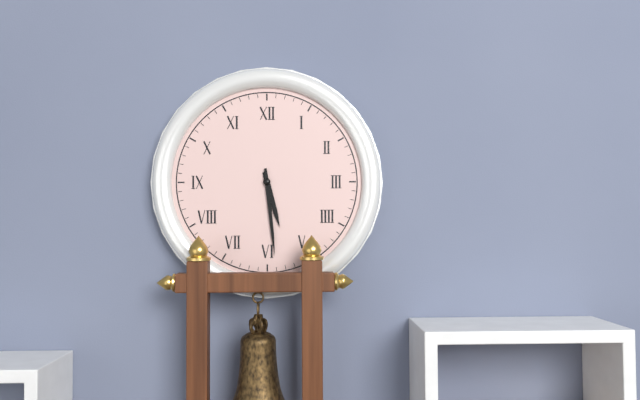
5:29
